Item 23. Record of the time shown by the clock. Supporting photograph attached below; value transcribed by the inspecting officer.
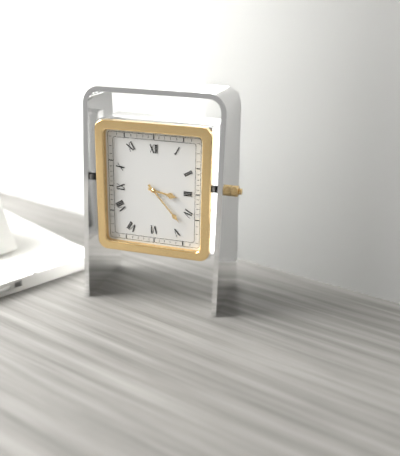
3:23
